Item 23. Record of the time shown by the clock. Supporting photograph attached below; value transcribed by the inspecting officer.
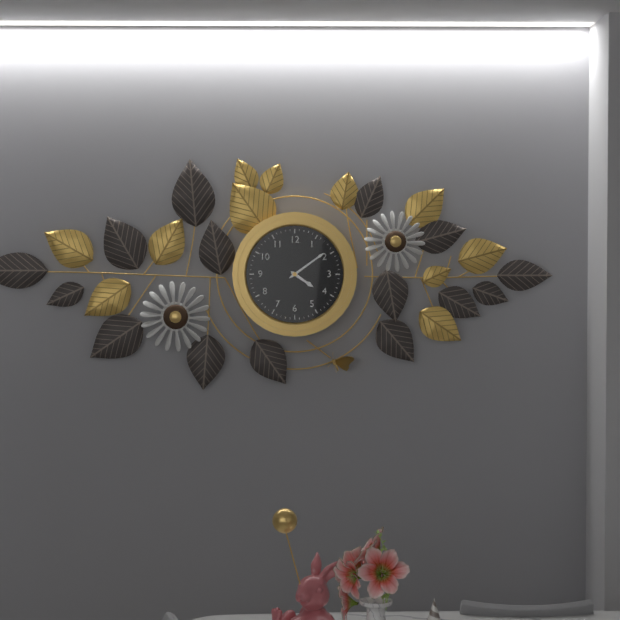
4:09
